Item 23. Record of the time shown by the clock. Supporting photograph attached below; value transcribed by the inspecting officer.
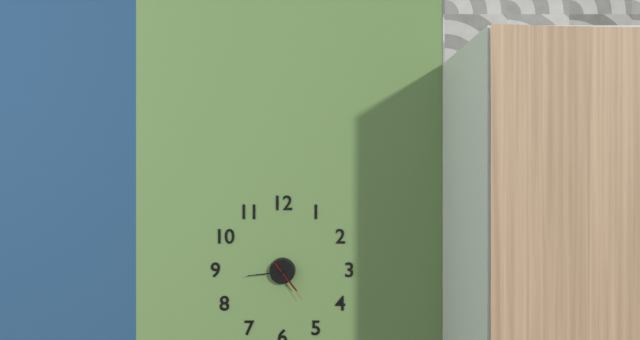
4:44
